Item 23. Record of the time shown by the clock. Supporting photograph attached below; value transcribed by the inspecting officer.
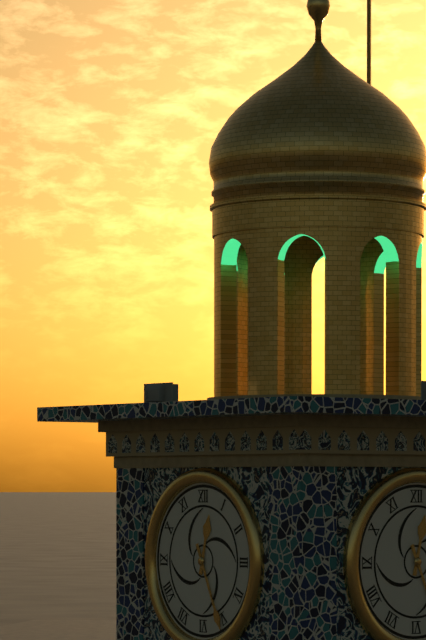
12:26
